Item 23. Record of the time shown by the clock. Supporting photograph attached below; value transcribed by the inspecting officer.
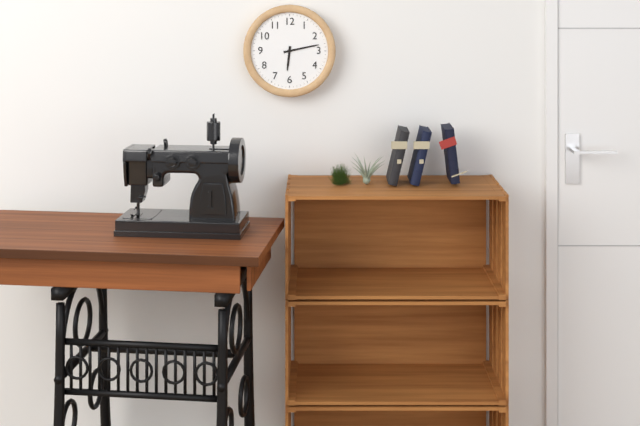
6:13
